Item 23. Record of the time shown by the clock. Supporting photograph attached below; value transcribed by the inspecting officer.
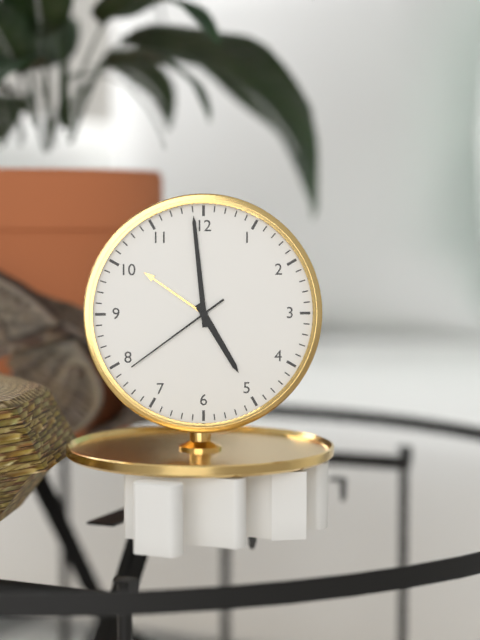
4:59:39
